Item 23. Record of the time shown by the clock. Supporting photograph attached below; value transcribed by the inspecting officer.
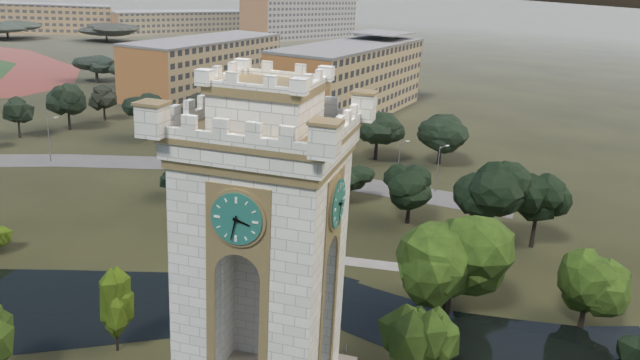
3:32
